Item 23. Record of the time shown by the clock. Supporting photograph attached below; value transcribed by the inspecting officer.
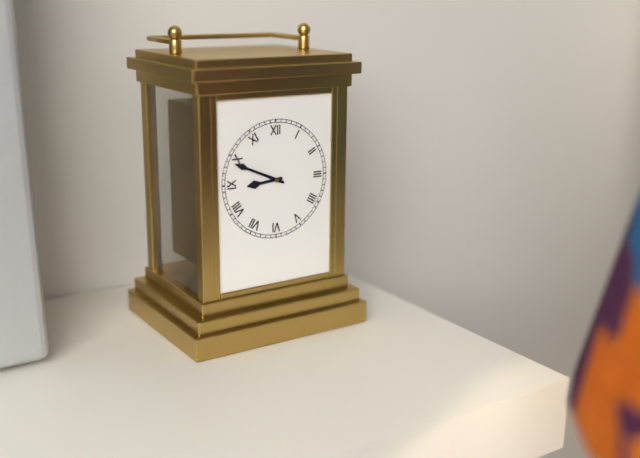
8:49
